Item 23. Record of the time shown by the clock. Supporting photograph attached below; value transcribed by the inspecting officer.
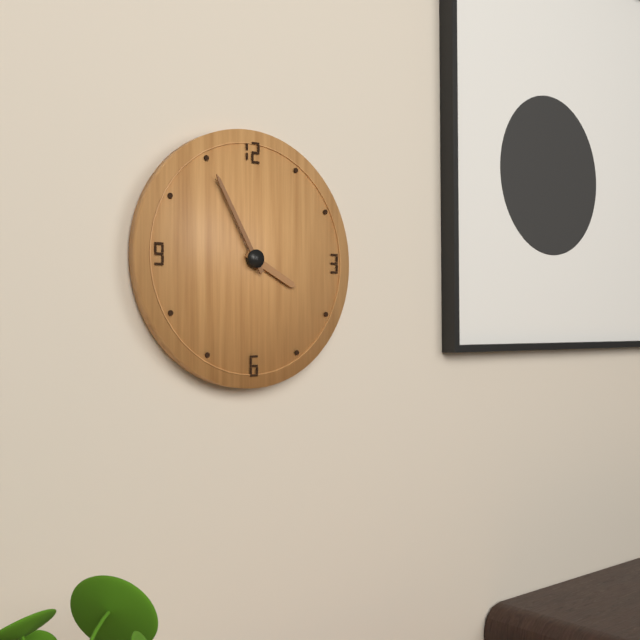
3:55
